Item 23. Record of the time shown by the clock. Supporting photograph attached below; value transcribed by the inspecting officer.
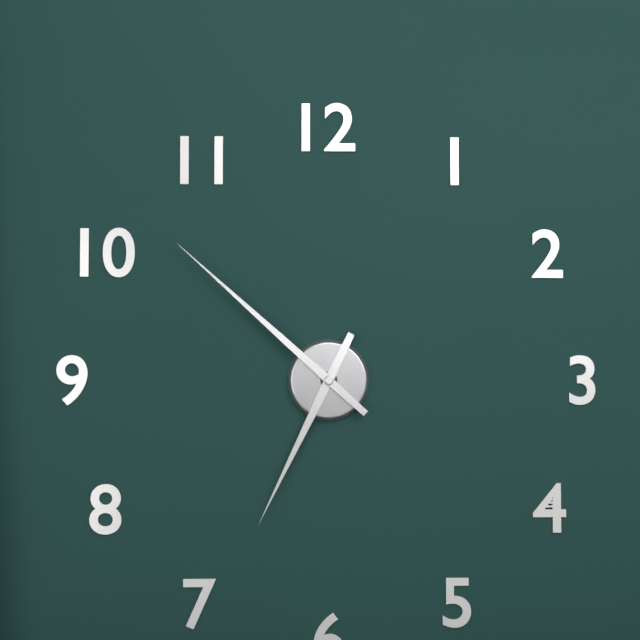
6:52
